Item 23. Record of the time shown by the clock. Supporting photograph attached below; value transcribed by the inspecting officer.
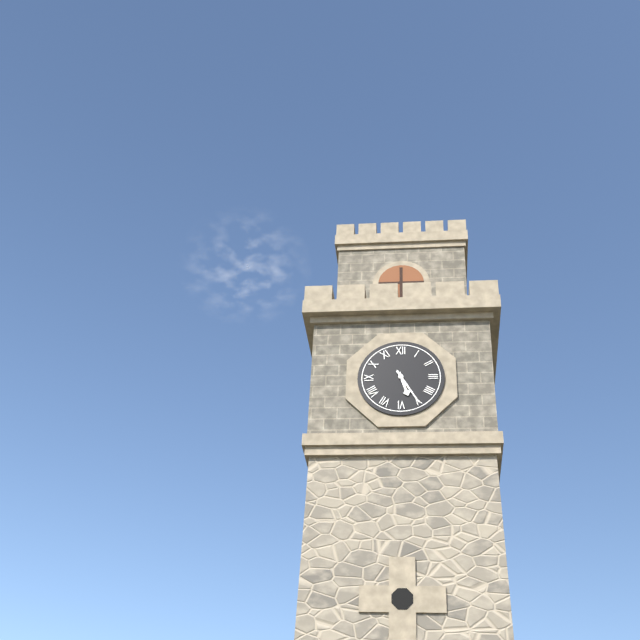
5:25
